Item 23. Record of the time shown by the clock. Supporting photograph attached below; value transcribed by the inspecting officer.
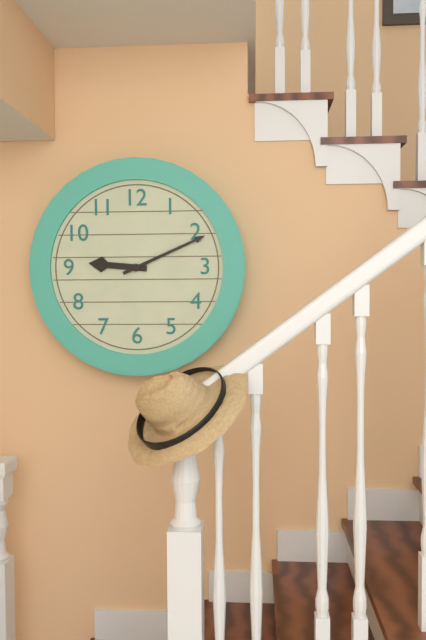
9:11
